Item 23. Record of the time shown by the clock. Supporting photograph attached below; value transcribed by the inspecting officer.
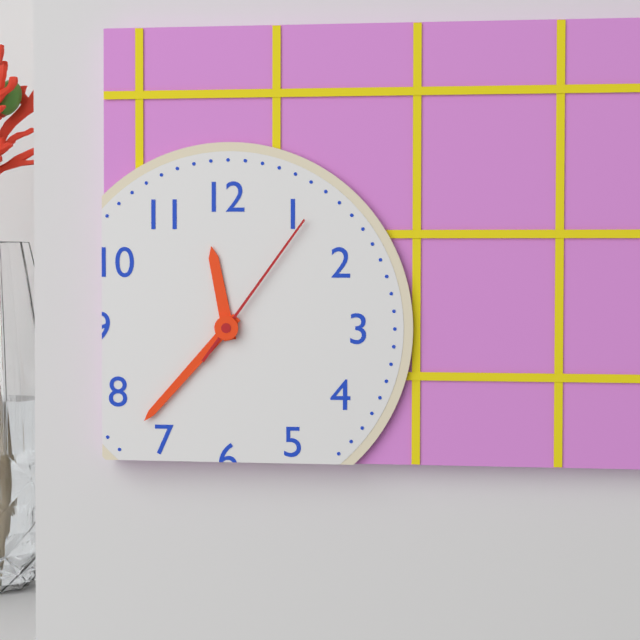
11:37:06
